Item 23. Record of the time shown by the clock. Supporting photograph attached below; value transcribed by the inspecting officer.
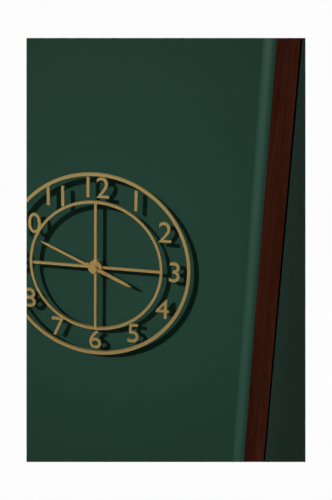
3:49
